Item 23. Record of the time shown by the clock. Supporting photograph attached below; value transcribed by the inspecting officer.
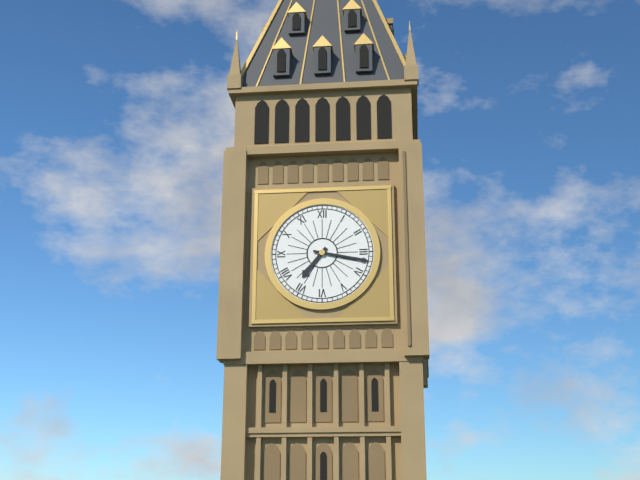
7:17
